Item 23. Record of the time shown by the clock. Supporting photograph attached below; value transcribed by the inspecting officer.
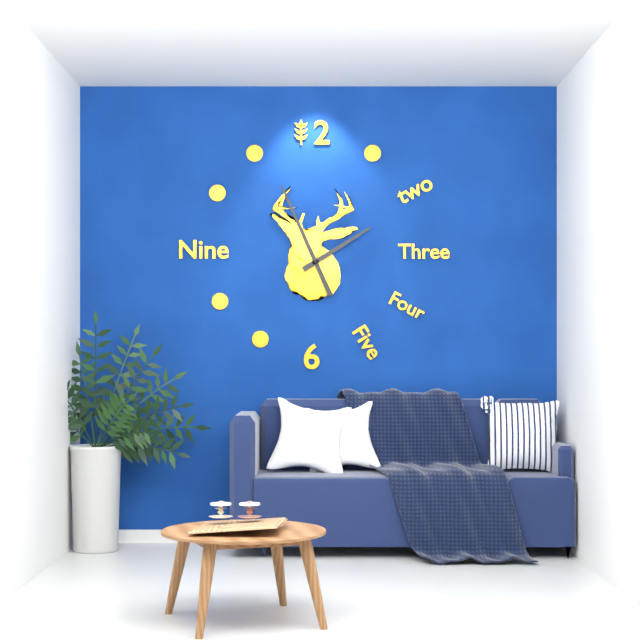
1:56
